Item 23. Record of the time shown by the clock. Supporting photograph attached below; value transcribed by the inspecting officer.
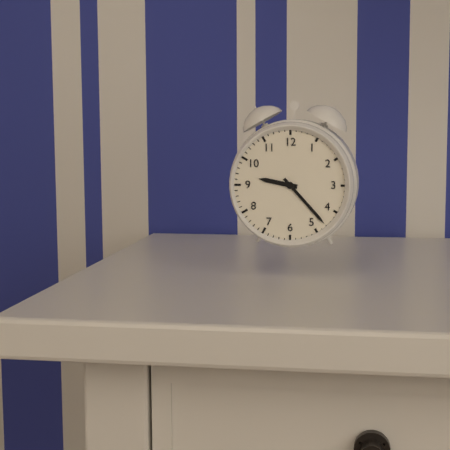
9:23
